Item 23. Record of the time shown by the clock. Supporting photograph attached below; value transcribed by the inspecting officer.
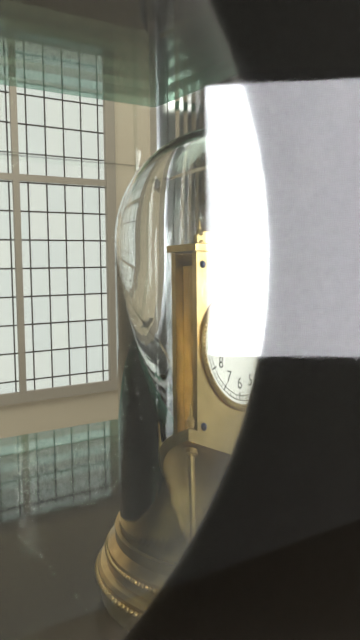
1:17
